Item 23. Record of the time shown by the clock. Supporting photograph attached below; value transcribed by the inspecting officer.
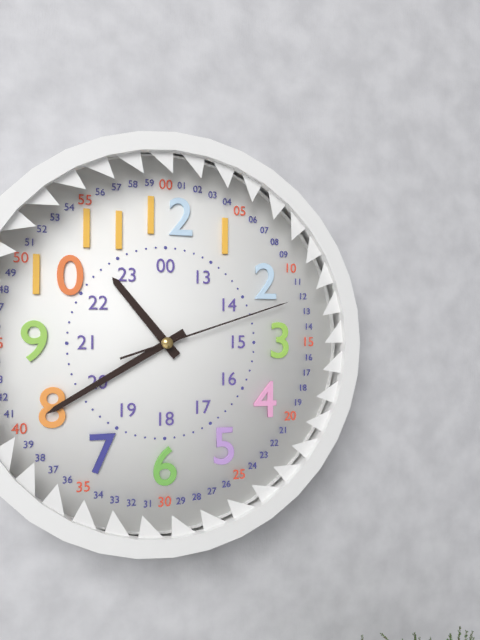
10:40:12
